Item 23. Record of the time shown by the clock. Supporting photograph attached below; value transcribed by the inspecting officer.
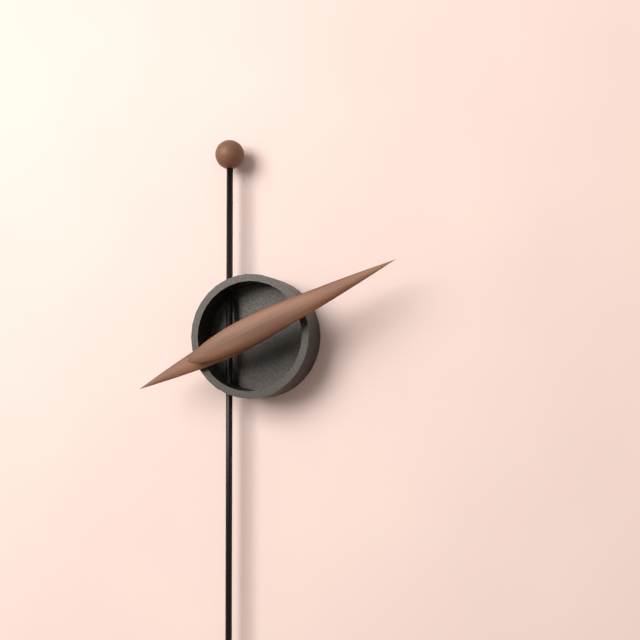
8:11
